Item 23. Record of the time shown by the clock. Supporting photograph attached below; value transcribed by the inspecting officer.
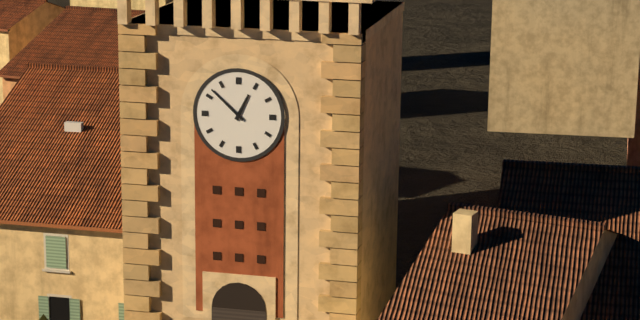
12:52
